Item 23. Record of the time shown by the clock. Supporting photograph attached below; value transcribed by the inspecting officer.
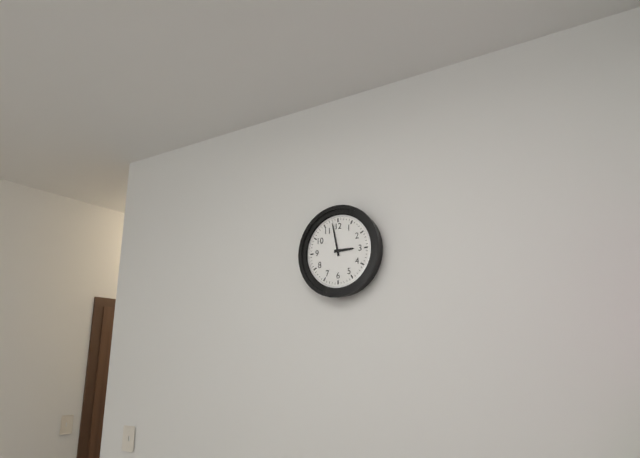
2:58
